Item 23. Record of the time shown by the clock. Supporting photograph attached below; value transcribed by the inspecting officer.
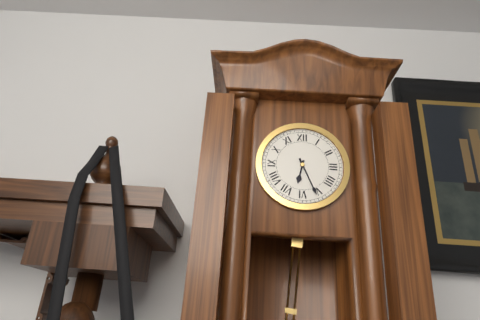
6:26
